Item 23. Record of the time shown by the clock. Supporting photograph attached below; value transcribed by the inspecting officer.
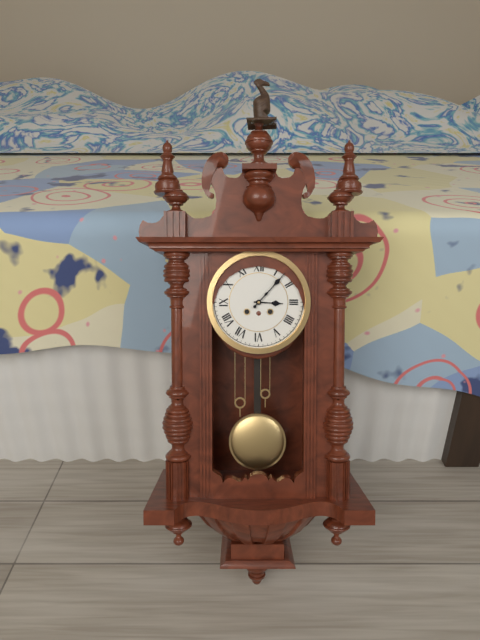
3:07
